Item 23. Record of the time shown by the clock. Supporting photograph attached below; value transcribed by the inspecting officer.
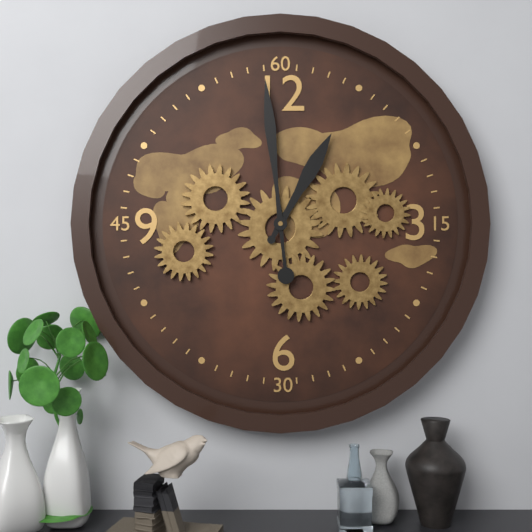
12:59
